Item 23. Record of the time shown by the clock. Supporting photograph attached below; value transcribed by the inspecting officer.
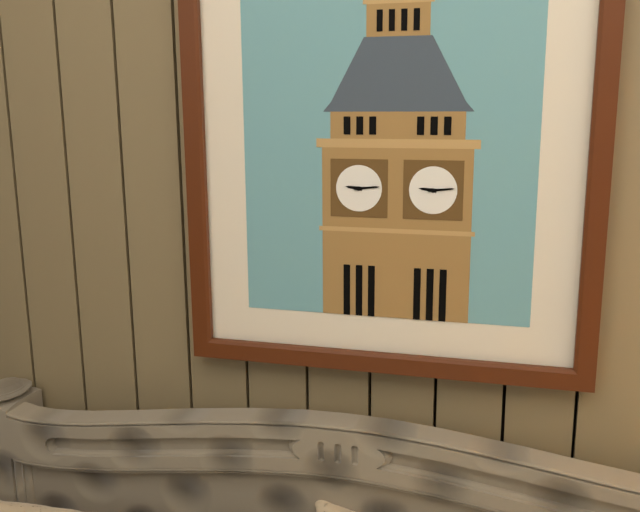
9:14
